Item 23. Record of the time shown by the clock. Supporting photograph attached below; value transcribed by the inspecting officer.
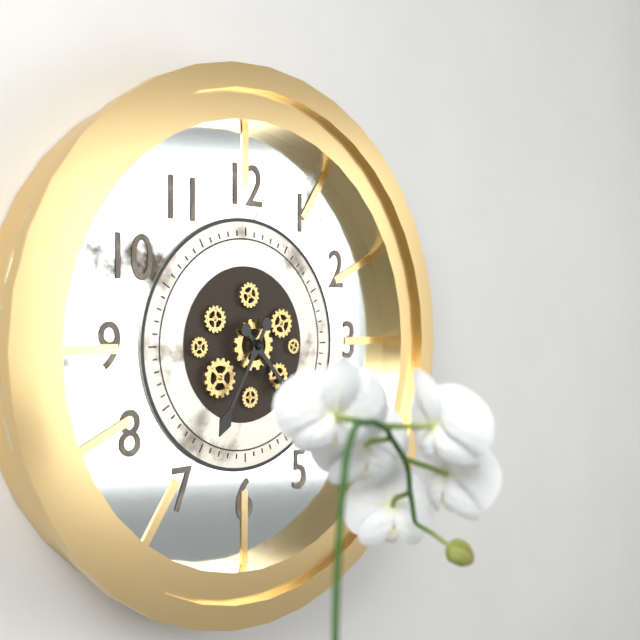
4:35
